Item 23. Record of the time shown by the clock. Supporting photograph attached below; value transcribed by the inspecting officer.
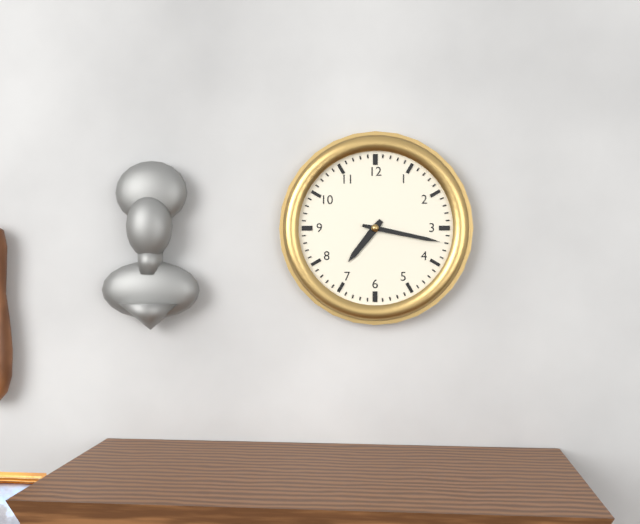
7:17
